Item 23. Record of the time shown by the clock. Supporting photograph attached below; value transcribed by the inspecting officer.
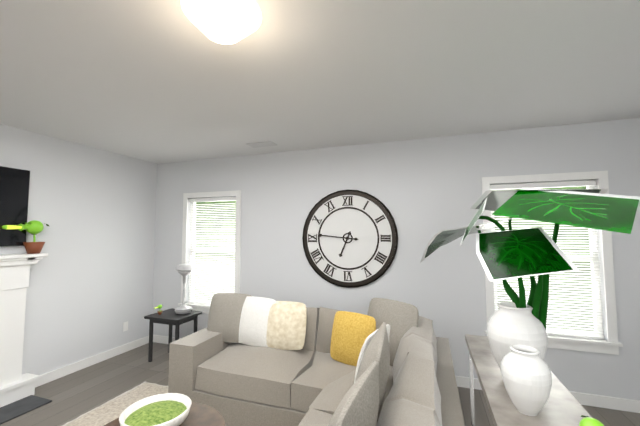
6:46
